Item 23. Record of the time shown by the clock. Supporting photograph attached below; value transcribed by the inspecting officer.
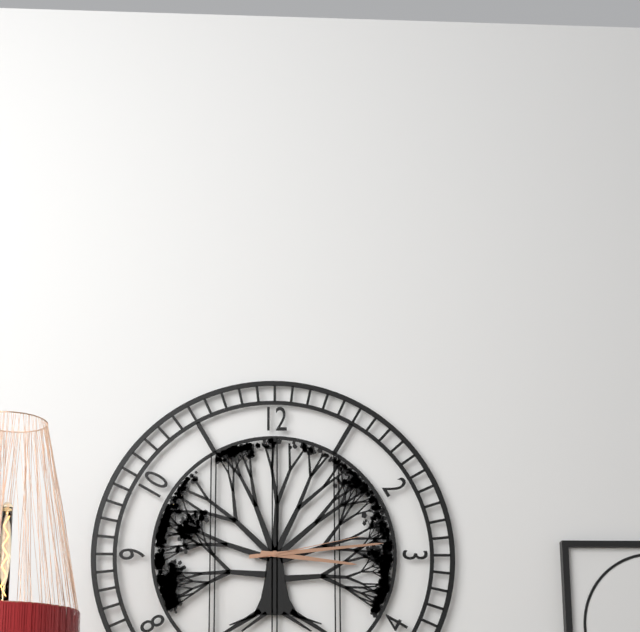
3:14:13
